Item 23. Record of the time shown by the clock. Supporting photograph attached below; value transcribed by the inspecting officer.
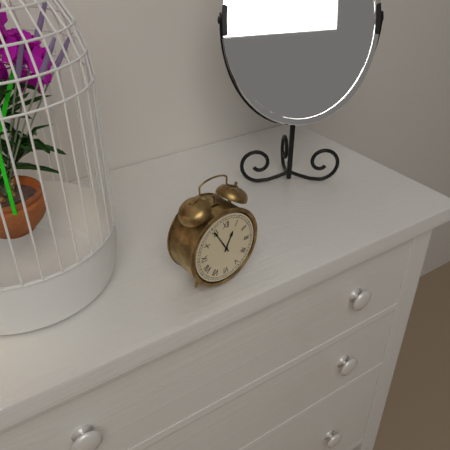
12:55
